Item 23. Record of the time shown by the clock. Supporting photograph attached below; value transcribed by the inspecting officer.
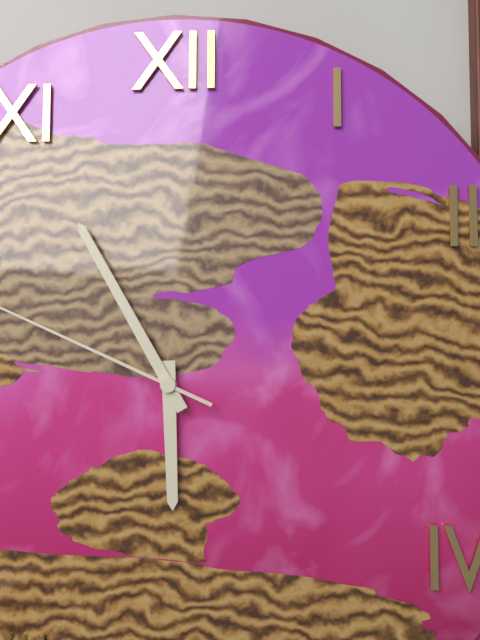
5:55
